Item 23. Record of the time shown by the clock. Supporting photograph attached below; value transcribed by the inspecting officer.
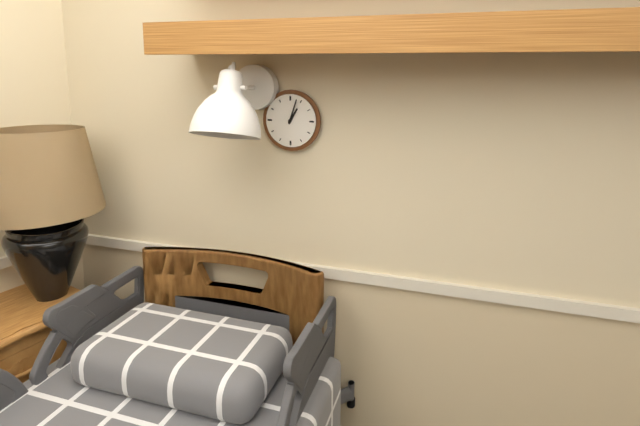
1:03
